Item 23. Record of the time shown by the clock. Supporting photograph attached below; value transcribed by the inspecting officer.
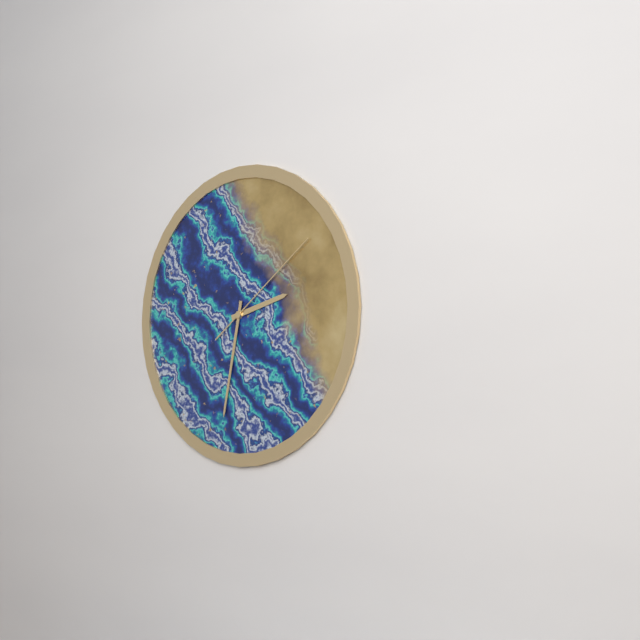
2:32:09
